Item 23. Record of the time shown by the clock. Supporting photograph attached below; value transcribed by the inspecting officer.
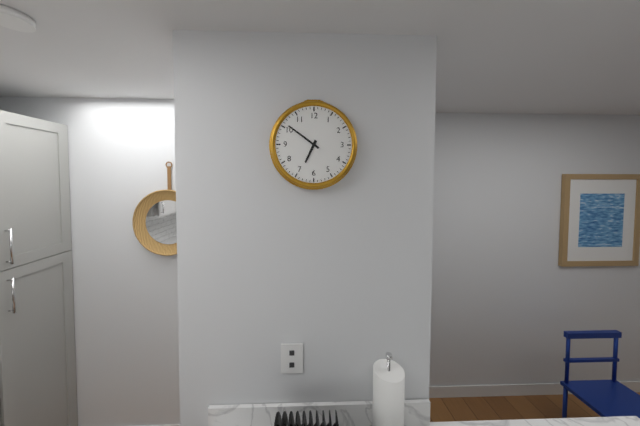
6:51
